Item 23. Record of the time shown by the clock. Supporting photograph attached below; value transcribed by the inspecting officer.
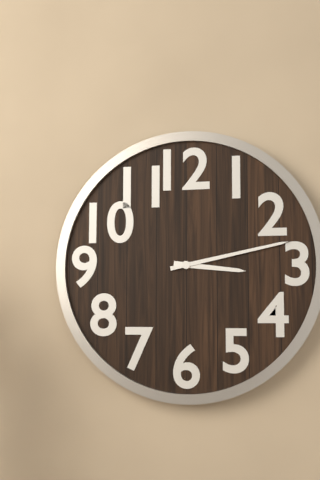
3:13
